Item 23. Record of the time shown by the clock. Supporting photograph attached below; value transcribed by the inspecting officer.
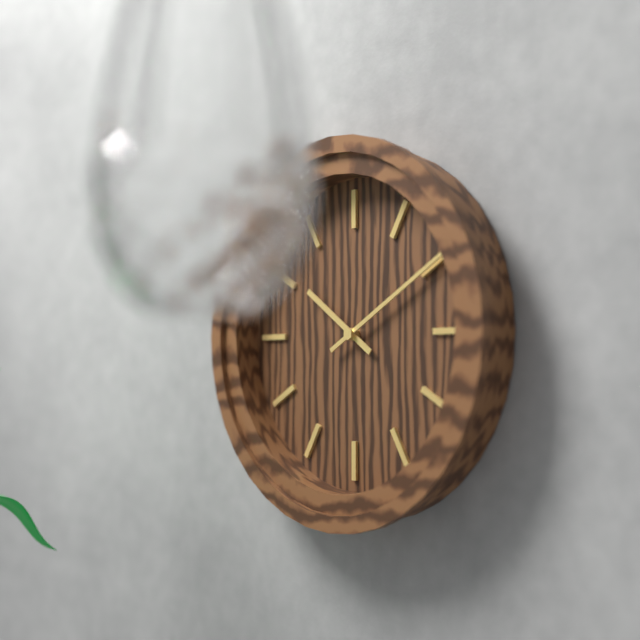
10:10
